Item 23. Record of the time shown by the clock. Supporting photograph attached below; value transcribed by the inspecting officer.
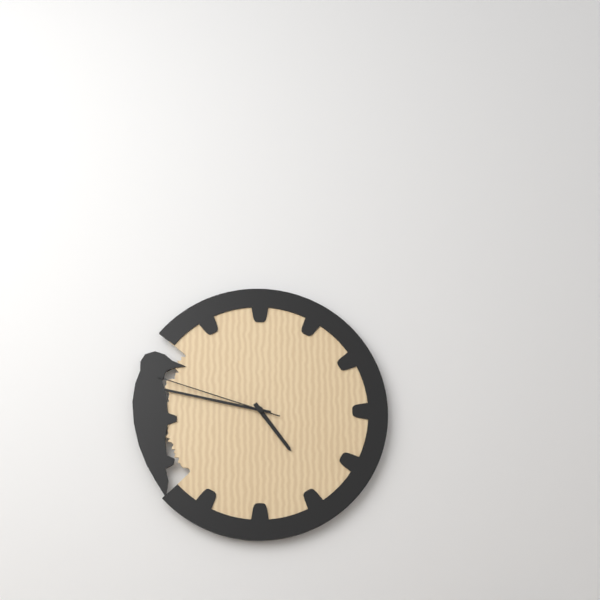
4:47:48
